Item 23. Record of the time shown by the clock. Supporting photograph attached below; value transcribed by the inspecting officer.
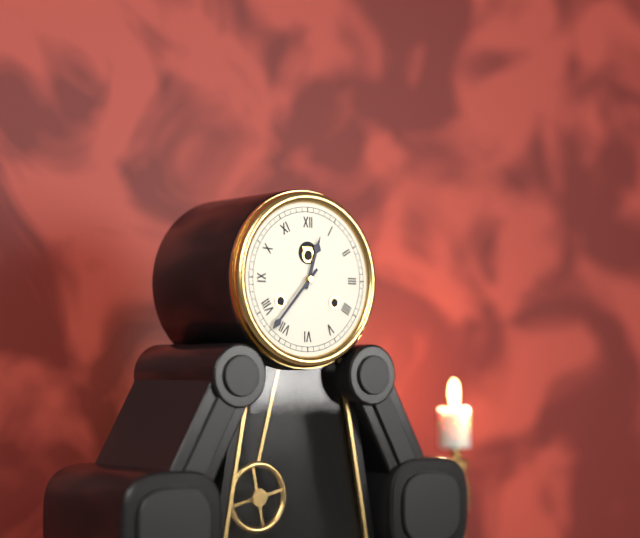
12:37
